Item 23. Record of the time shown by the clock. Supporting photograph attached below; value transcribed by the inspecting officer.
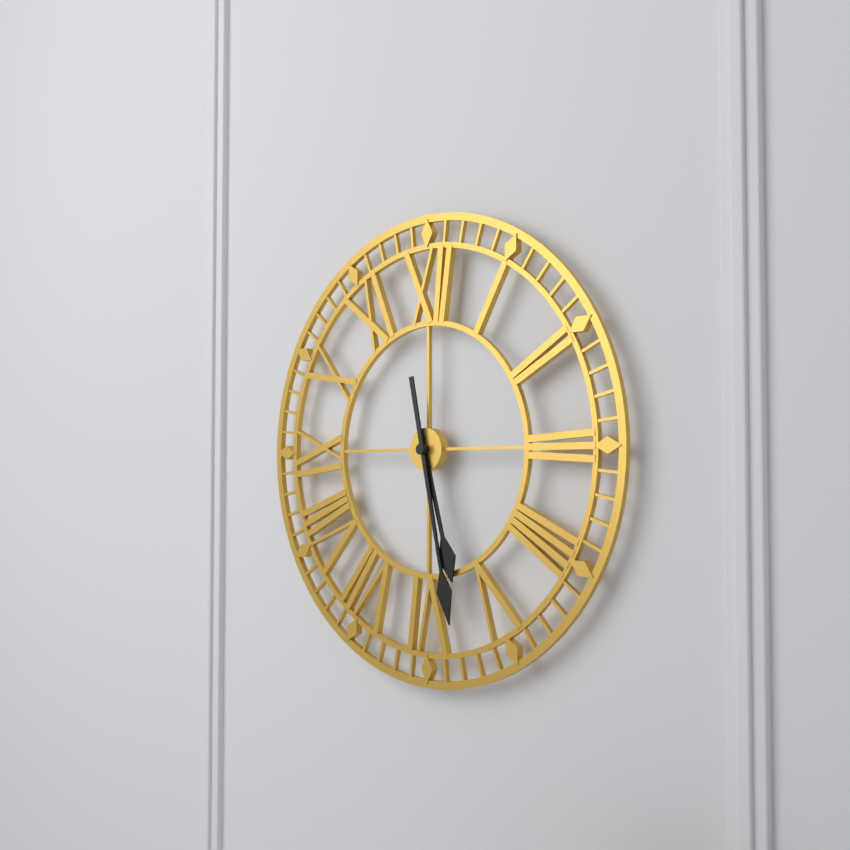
5:28
